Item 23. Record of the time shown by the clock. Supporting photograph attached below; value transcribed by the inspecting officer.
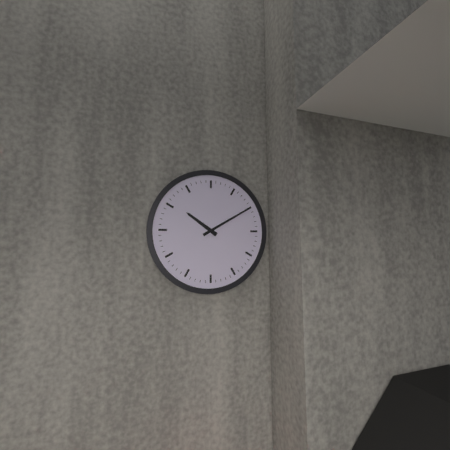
10:10
